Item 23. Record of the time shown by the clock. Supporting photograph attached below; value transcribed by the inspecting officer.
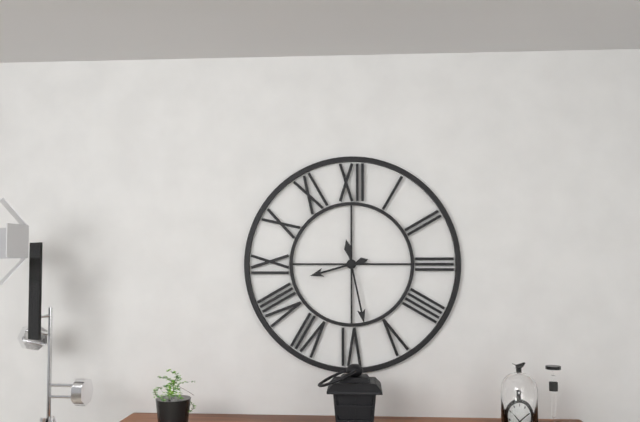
8:28
